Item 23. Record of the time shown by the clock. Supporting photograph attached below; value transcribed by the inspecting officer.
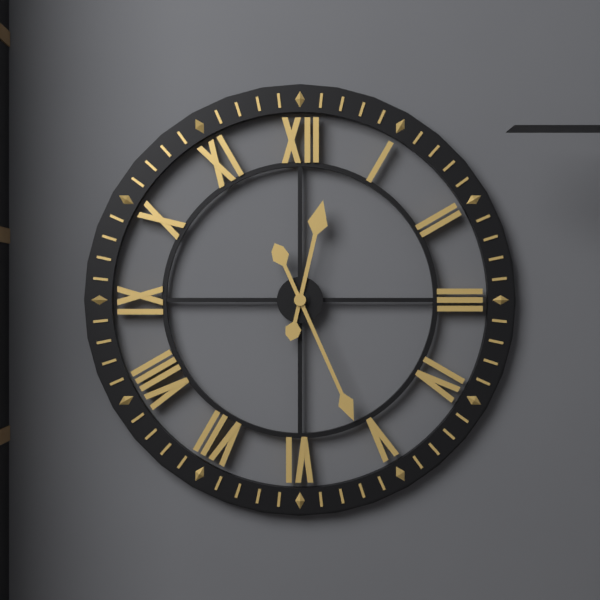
12:26
